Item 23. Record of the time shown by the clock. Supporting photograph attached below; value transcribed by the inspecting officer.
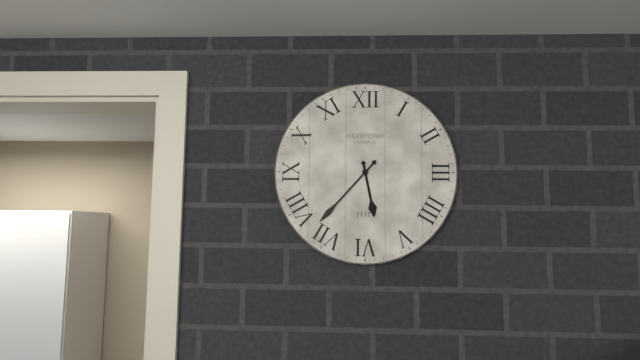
5:37
